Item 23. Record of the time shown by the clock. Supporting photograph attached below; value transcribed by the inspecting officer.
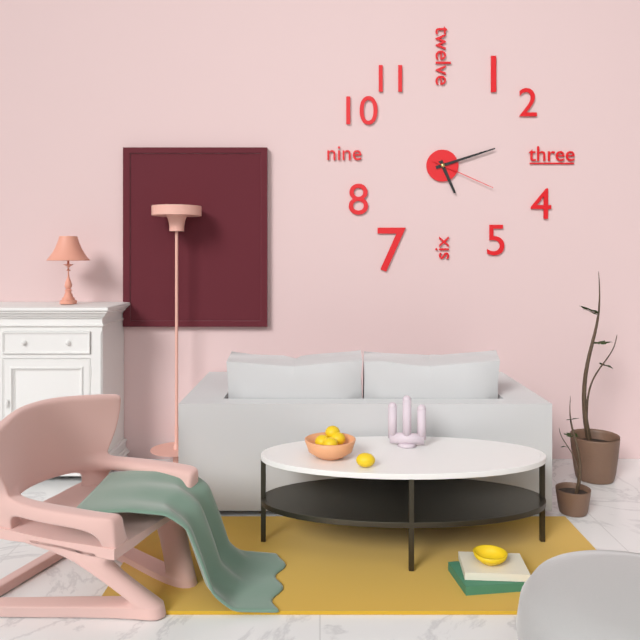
5:12:19
